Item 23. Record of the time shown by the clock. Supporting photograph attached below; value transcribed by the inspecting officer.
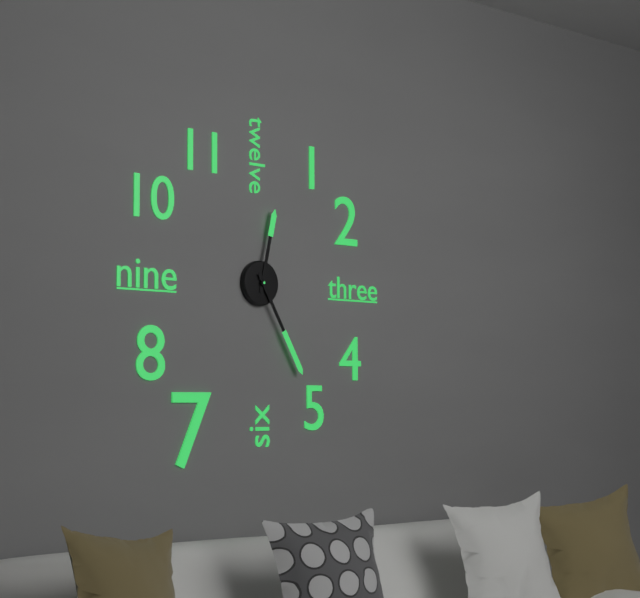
12:25
